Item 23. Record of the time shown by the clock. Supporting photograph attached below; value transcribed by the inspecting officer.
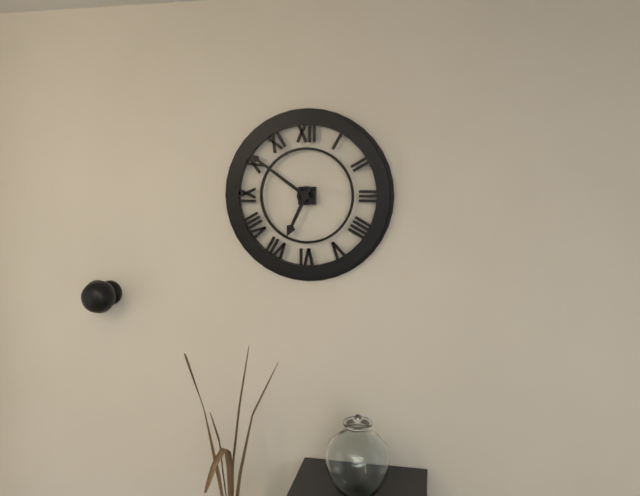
6:51
